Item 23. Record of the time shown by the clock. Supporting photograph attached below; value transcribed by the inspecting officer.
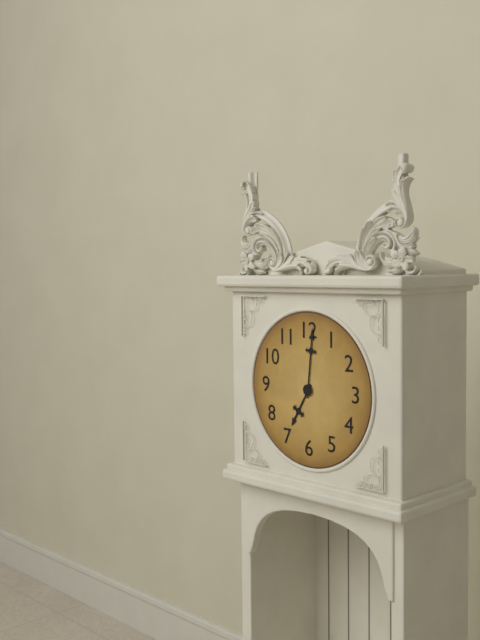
7:01
